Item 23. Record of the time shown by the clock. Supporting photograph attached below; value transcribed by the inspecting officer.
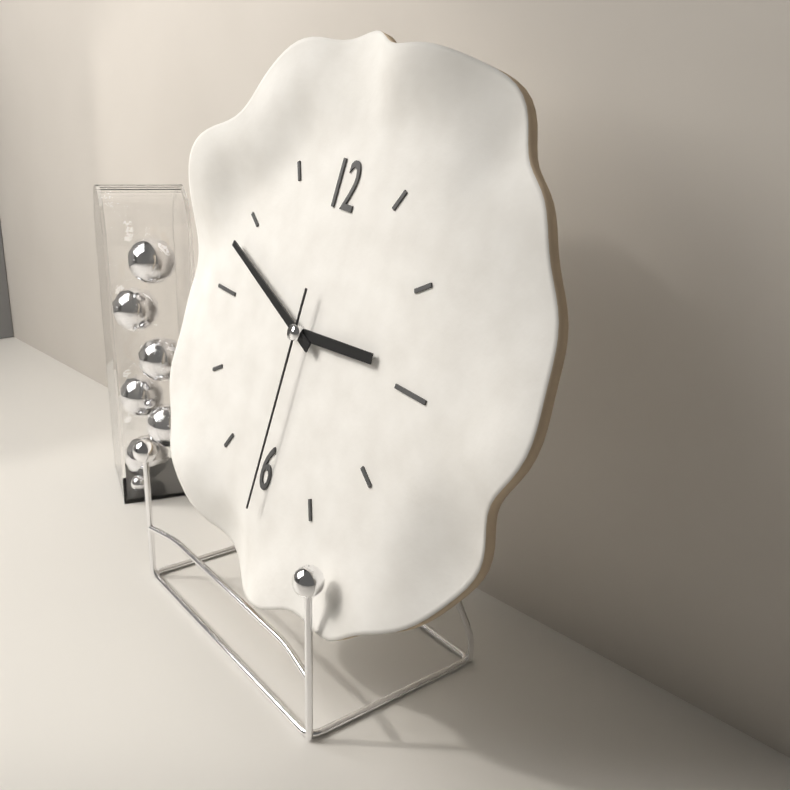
2:48:30
